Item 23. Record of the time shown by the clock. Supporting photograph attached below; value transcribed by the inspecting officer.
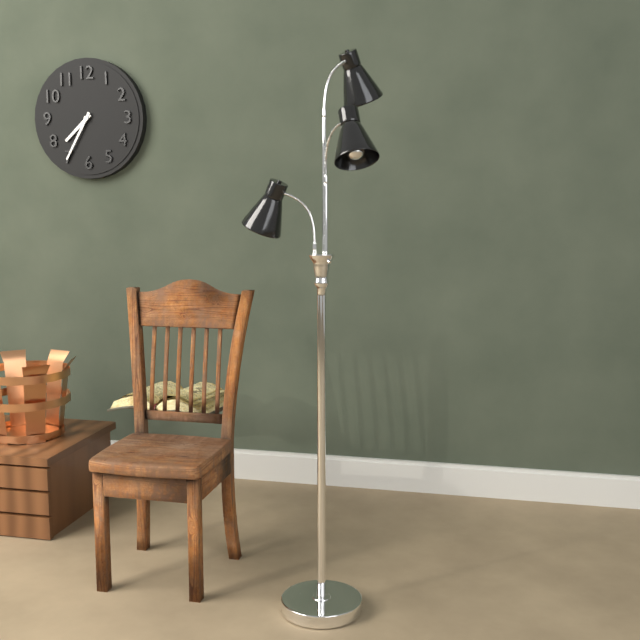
7:35
